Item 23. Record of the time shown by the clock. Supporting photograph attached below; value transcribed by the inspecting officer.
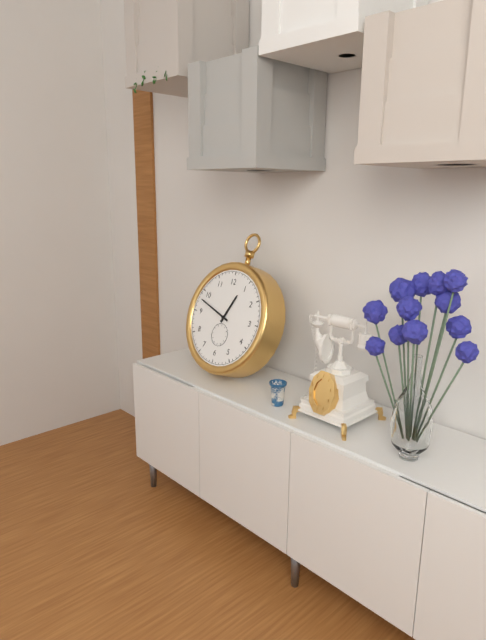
12:48
